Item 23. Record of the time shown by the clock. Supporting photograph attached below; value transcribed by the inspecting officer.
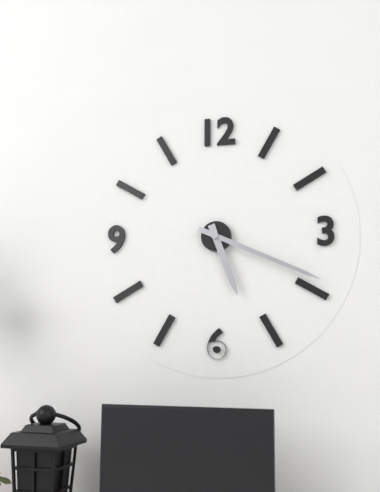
5:19
